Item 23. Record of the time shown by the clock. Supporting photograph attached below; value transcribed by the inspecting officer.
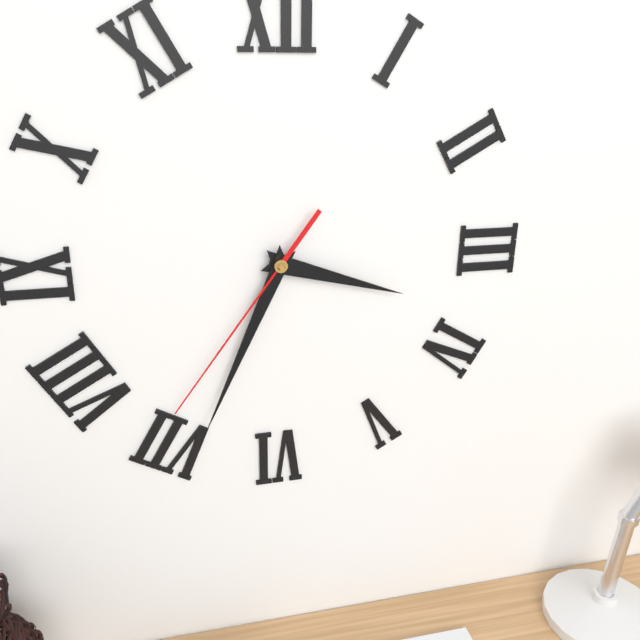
3:34:36
